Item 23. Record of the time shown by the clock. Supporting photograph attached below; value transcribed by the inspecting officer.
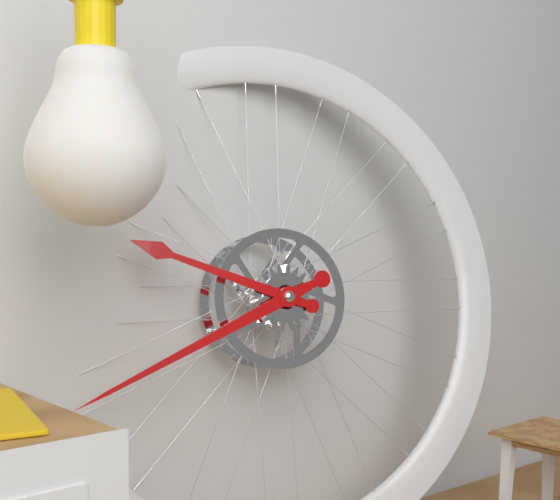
9:41
